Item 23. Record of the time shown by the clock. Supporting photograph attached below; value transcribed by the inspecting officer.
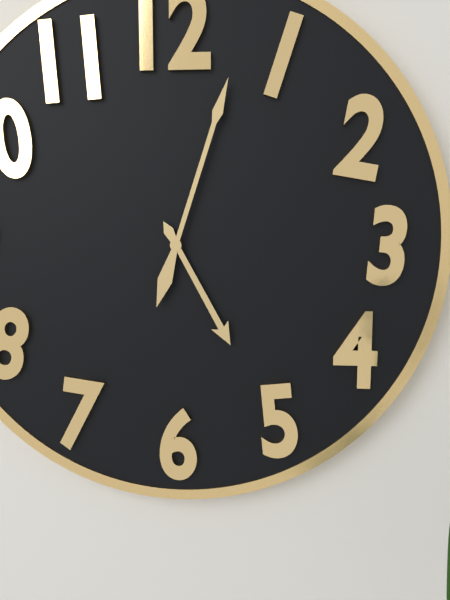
5:03
